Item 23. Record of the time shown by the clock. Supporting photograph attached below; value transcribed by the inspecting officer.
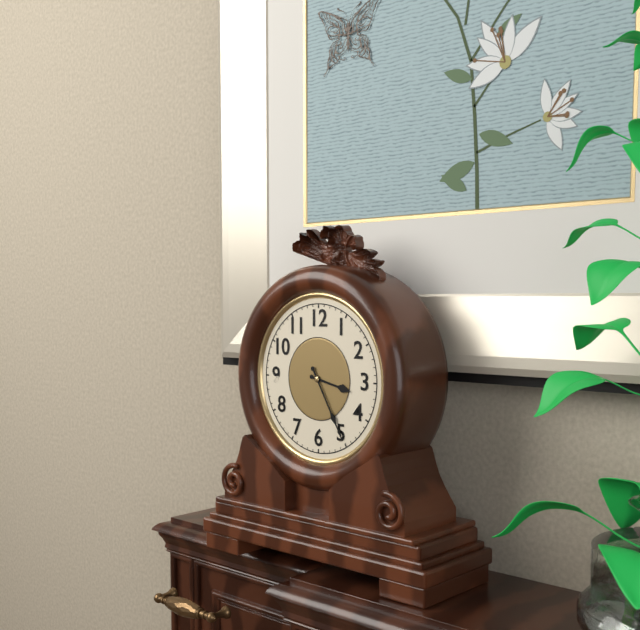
3:25
